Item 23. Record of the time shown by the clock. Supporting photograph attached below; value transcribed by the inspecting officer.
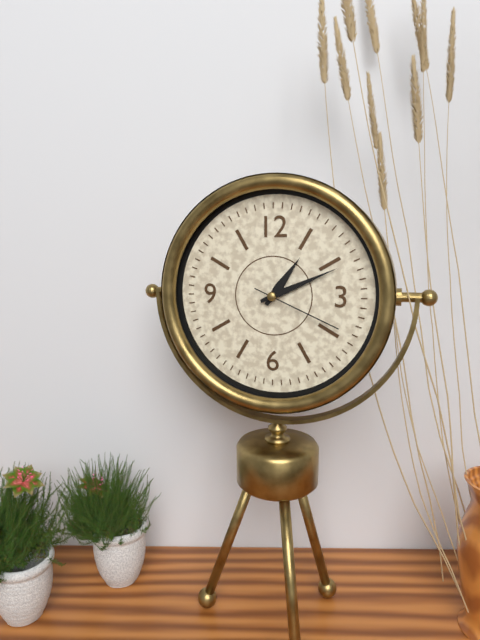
1:11:19
